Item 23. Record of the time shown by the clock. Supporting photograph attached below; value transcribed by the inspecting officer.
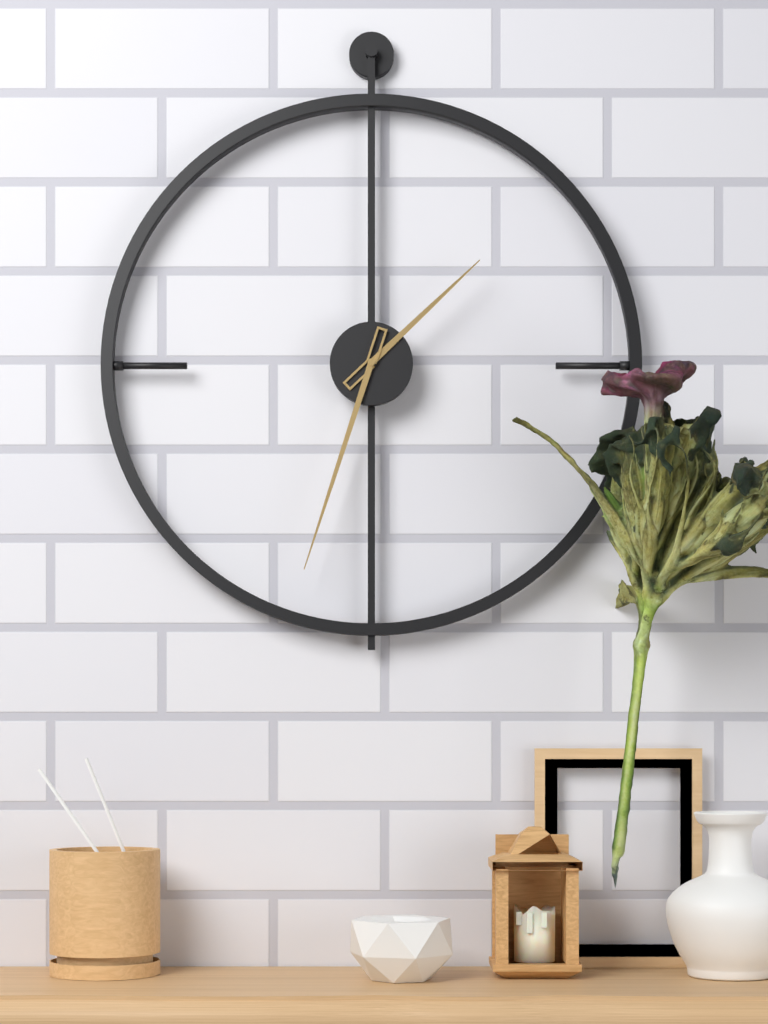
1:33
